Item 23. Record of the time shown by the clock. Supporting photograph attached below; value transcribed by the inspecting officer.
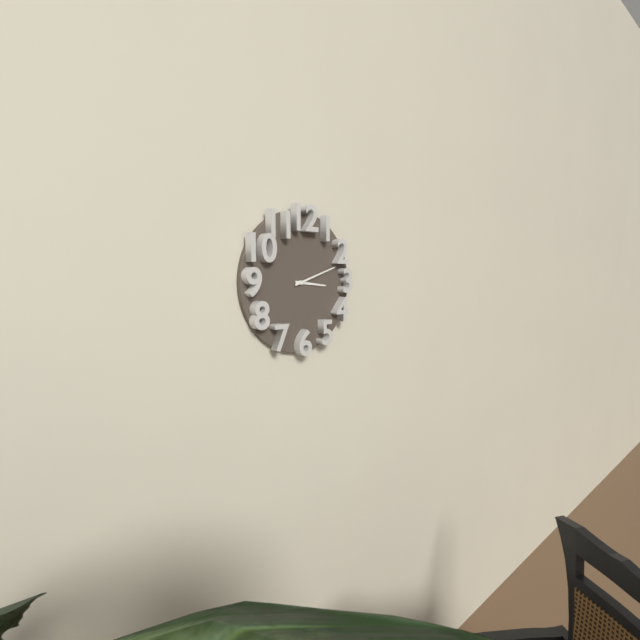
3:12
